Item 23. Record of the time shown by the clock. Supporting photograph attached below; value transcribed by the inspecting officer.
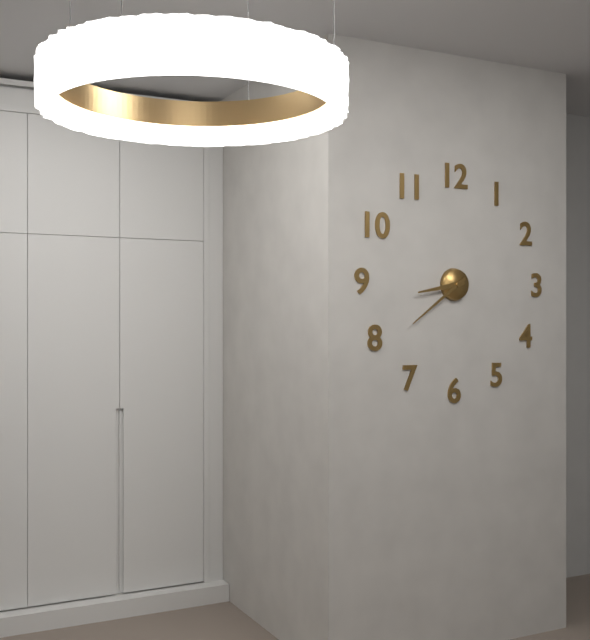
8:39
